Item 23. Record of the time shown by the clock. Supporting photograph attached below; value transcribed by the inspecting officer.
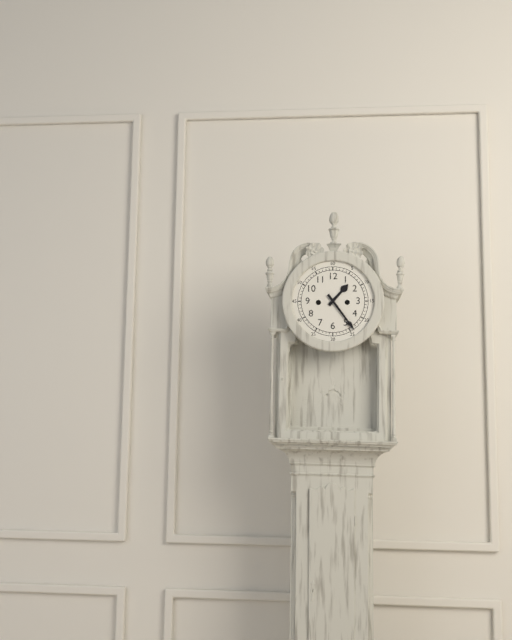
1:24
